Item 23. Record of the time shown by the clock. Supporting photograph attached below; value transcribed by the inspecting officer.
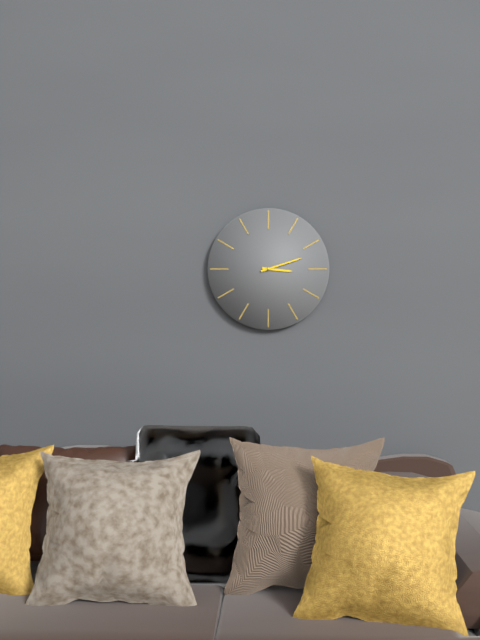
3:12
